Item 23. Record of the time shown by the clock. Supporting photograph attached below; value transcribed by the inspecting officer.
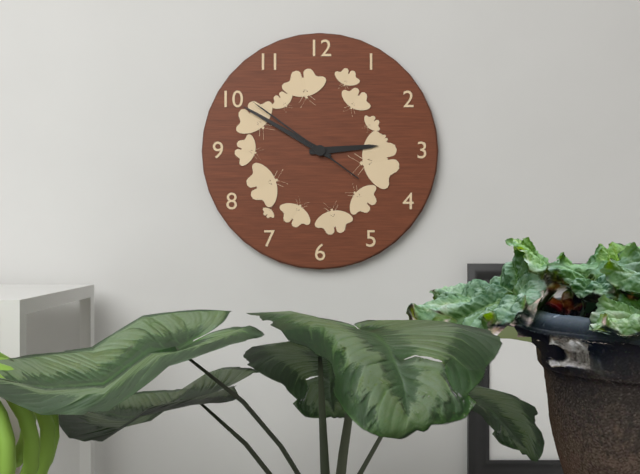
2:50:51
